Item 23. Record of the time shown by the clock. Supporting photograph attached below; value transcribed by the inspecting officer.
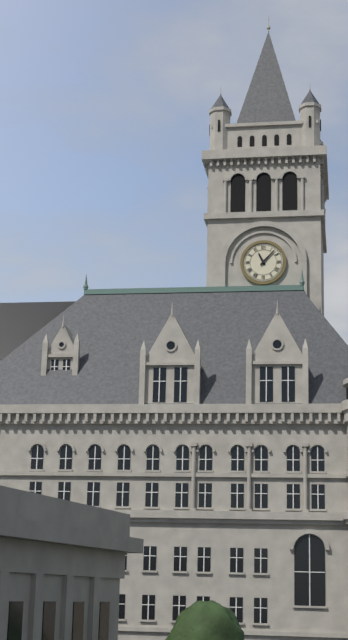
11:07
